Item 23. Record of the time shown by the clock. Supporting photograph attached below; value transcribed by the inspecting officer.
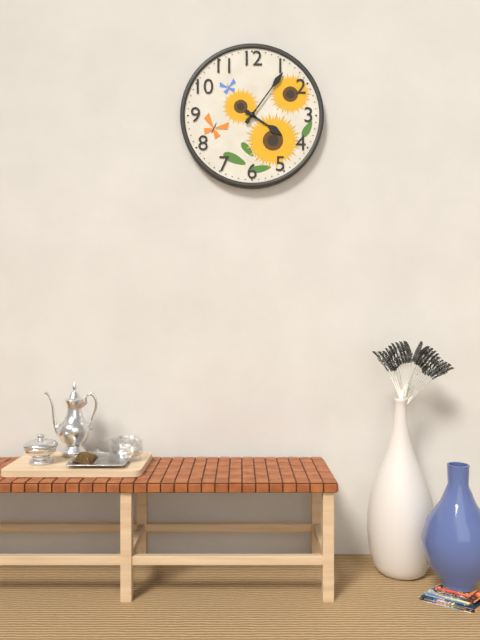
4:06
